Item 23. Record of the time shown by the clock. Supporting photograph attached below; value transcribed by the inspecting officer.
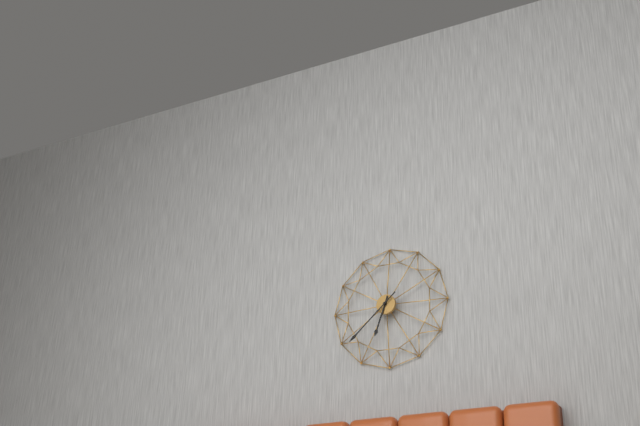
6:38
